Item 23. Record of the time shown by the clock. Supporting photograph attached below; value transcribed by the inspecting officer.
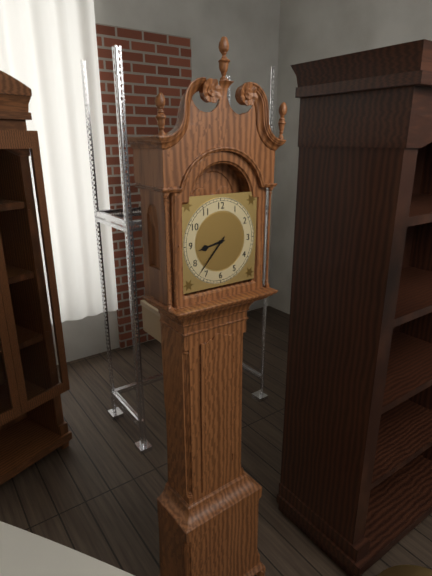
8:37
